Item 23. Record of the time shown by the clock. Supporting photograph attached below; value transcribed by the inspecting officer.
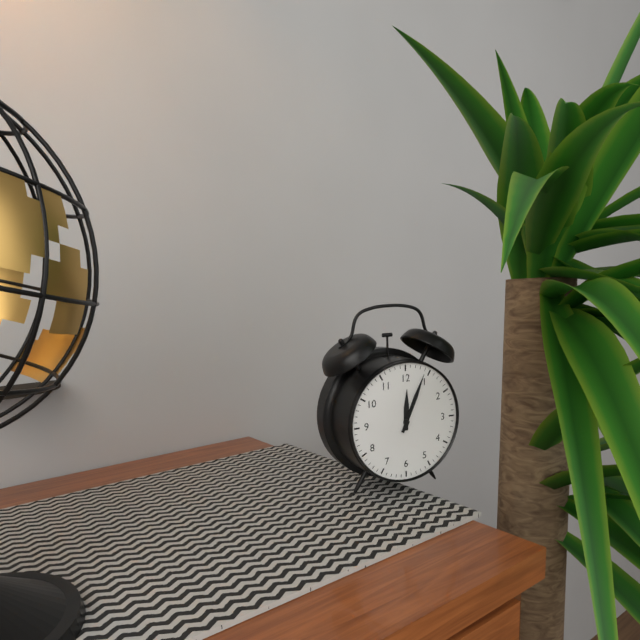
12:04
